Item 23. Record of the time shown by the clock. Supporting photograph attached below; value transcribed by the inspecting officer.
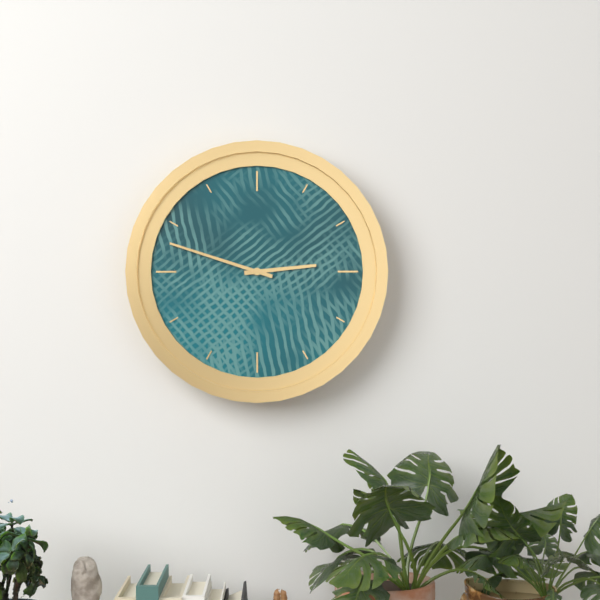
2:48
